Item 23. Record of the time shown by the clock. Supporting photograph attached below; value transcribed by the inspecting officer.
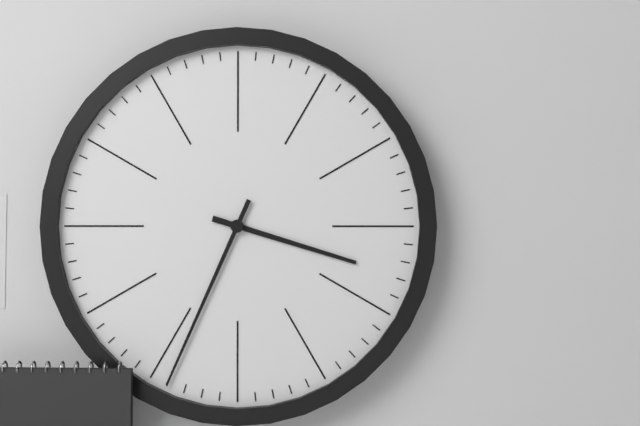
3:34
